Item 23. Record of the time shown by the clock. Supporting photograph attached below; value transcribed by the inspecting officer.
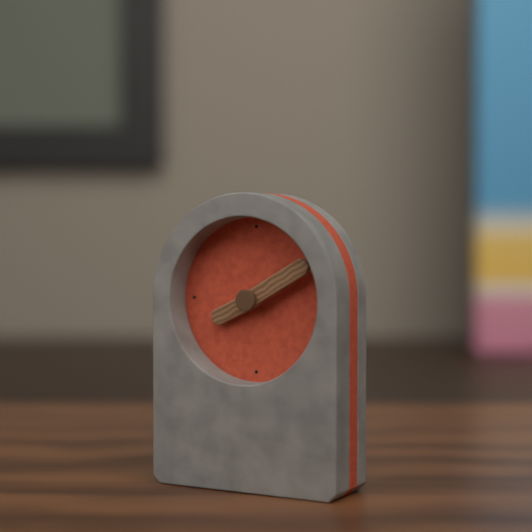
8:10
